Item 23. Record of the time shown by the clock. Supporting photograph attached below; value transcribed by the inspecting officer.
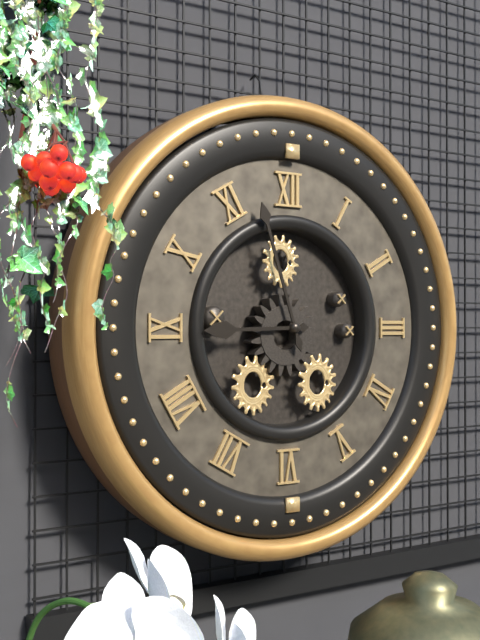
8:57
